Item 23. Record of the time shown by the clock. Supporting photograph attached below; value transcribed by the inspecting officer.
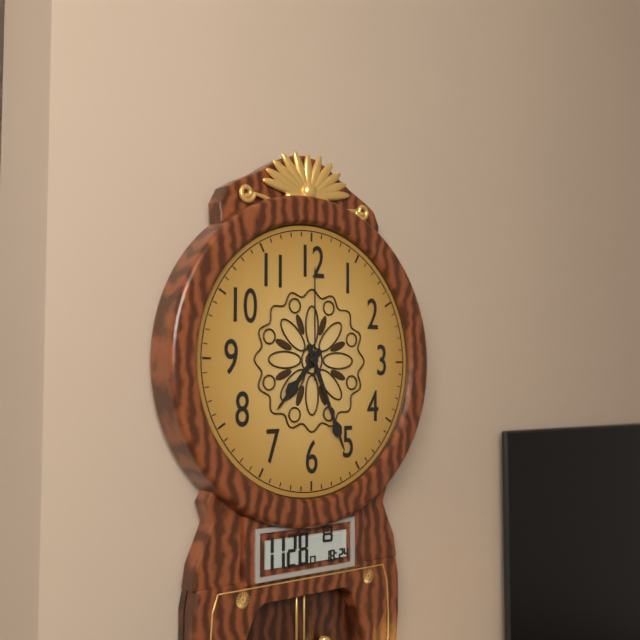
7:26:00
